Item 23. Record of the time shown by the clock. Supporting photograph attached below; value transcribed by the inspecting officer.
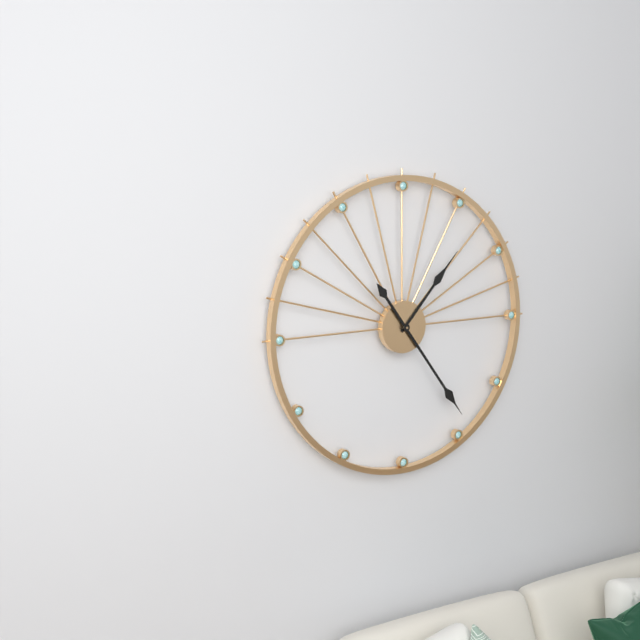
1:24
